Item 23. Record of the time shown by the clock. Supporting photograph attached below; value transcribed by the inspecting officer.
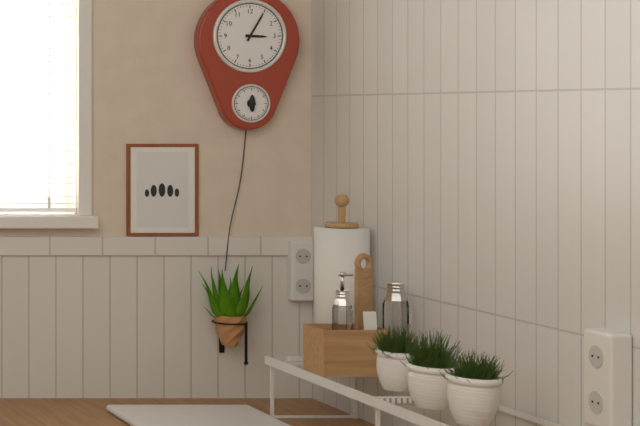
3:05
